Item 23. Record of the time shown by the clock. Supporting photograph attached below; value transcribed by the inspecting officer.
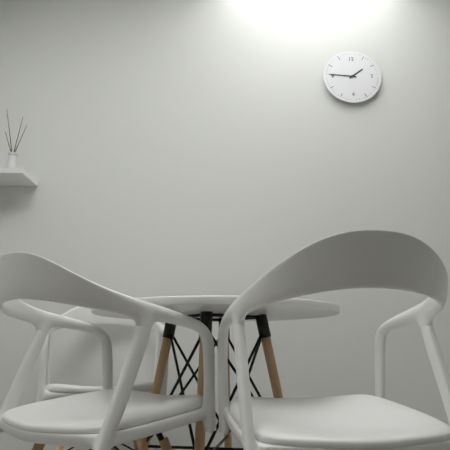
1:46
